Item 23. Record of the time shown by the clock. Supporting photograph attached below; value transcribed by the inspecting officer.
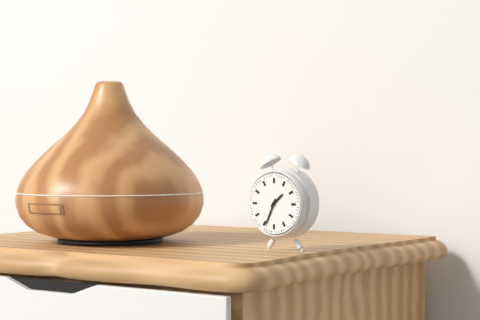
1:34
